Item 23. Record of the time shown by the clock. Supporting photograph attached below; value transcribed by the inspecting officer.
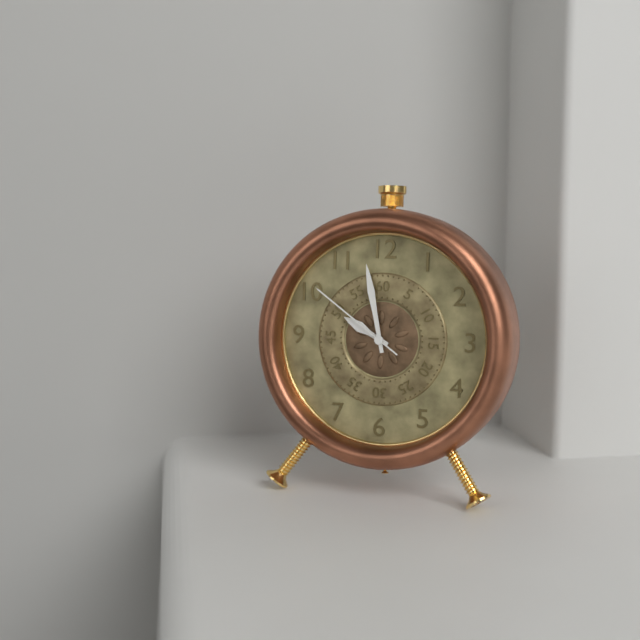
9:58:51
